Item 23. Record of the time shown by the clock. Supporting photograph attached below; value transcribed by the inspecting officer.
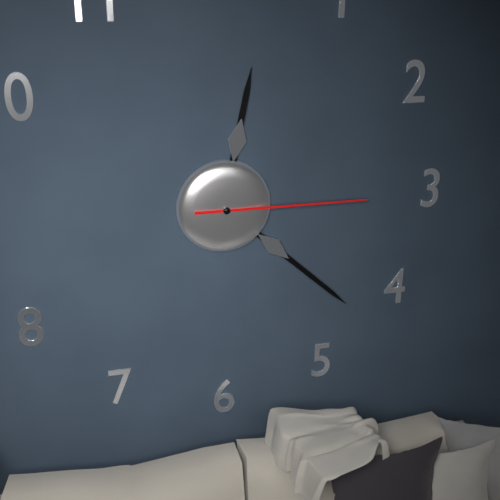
12:22:15
